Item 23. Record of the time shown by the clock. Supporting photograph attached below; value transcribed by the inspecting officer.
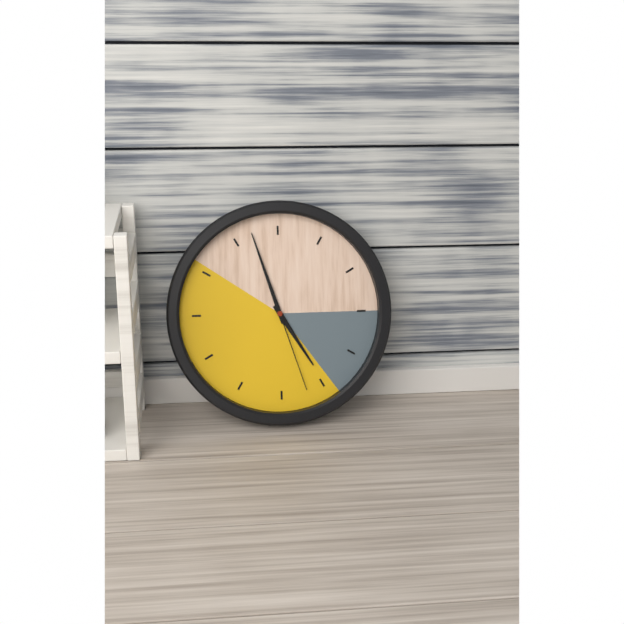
4:57:27
